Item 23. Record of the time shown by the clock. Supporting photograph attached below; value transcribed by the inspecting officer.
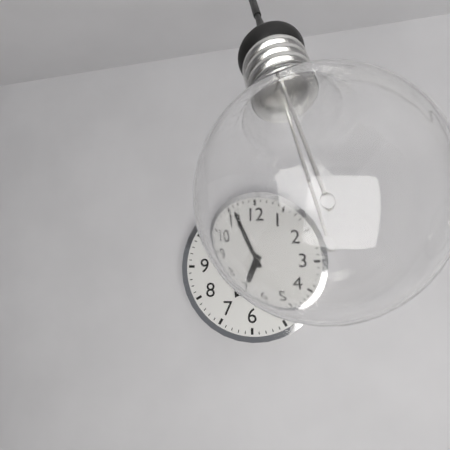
6:56
